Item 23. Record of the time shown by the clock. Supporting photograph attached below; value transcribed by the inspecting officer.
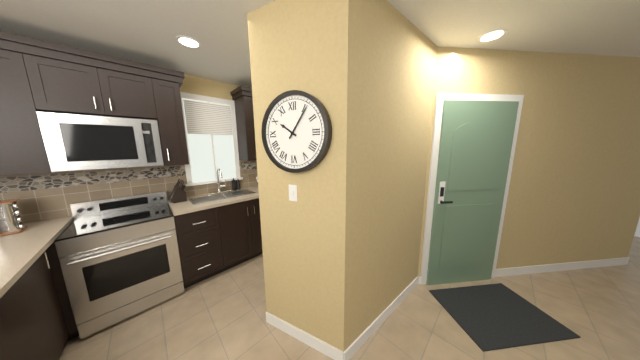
10:06
